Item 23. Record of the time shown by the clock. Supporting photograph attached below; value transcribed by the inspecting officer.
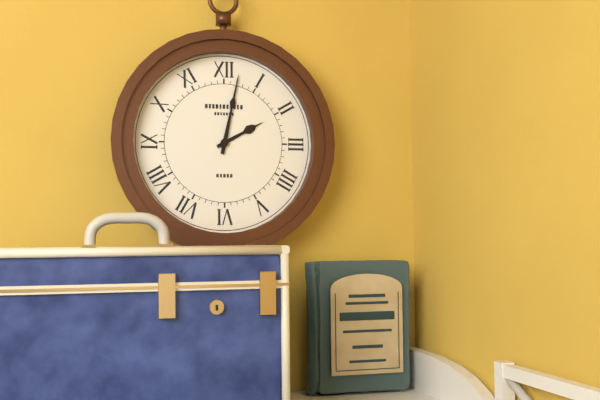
2:02
